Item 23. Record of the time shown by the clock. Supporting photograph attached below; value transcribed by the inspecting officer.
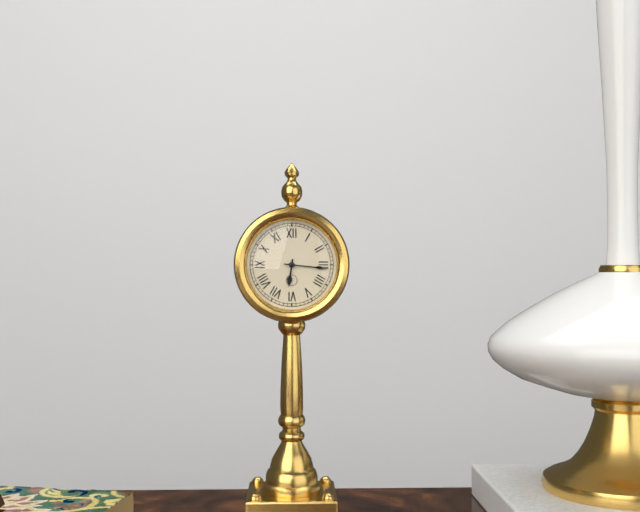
6:16
